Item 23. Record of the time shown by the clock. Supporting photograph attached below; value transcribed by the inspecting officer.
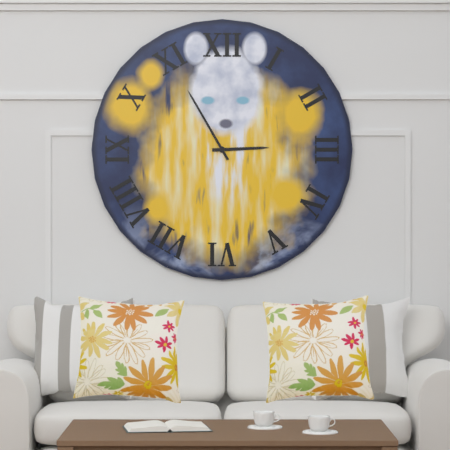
2:55
